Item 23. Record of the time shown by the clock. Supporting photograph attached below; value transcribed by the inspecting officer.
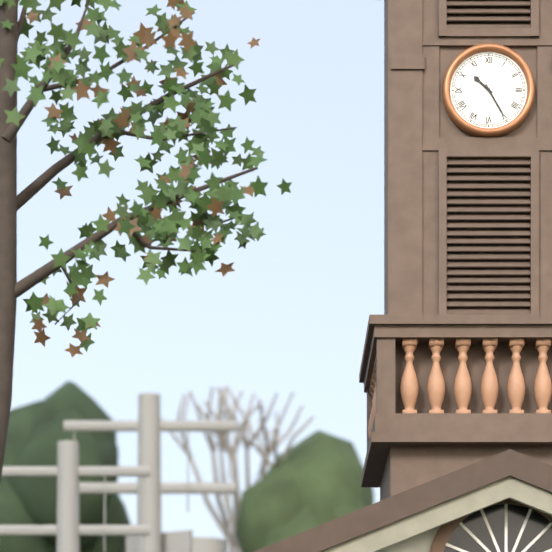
10:25
